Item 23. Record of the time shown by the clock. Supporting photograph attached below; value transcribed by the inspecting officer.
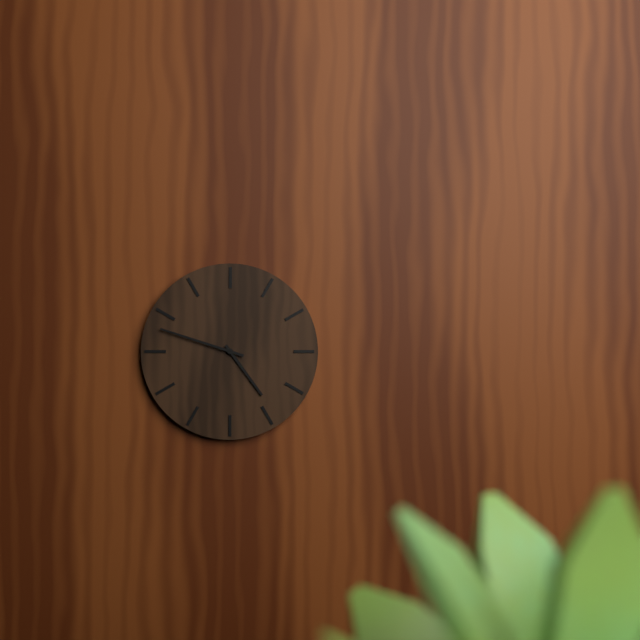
4:48
